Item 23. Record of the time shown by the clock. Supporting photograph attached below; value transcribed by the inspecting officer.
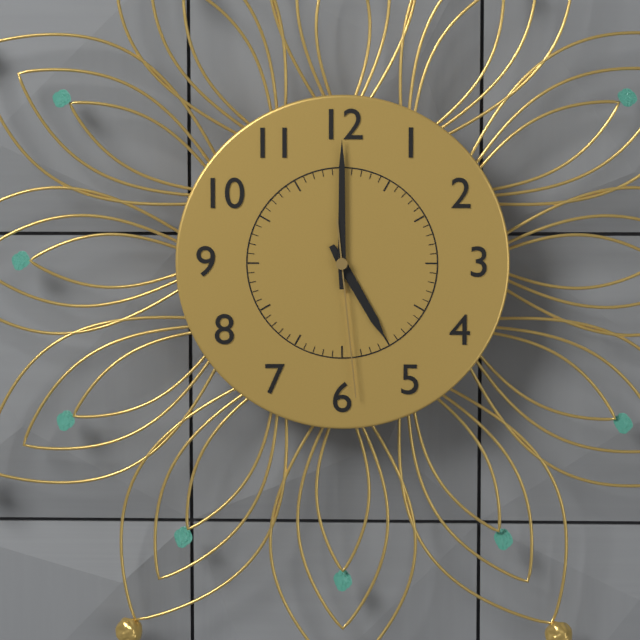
5:00:29
